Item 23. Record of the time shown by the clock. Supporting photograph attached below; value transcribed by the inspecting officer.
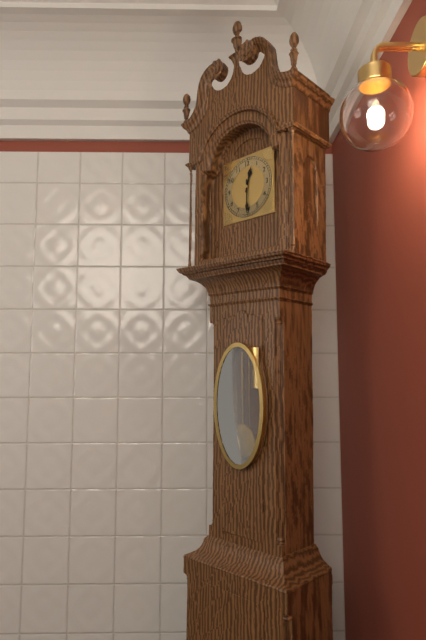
12:30
